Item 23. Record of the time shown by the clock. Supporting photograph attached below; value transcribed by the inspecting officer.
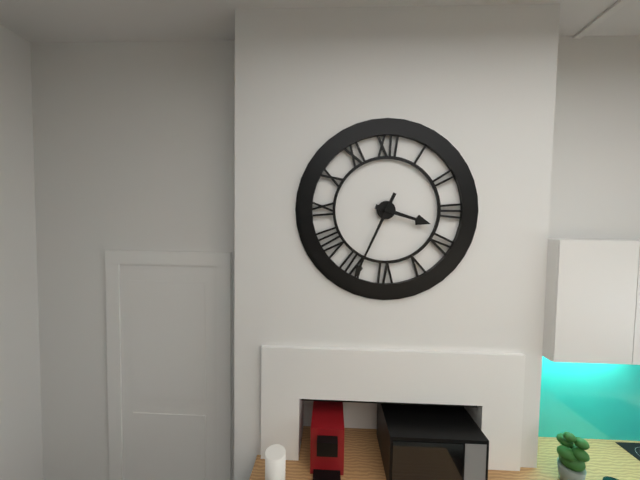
3:34
